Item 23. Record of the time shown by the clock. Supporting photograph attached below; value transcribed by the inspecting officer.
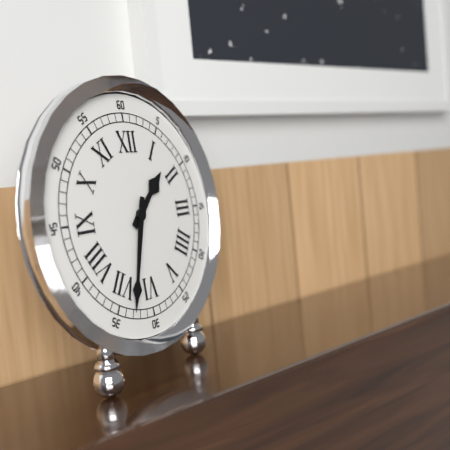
1:33
